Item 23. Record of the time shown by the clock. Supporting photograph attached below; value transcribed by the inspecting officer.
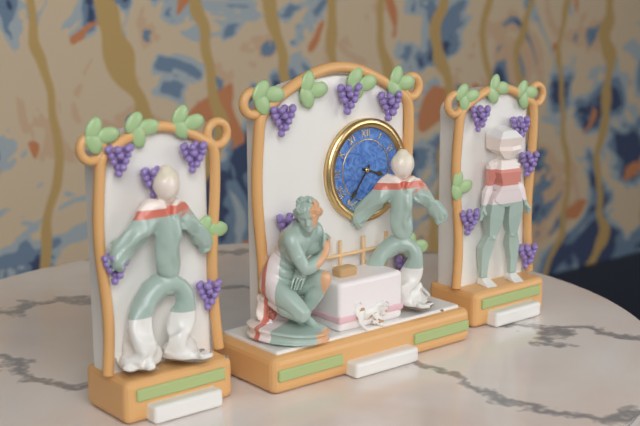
3:36
